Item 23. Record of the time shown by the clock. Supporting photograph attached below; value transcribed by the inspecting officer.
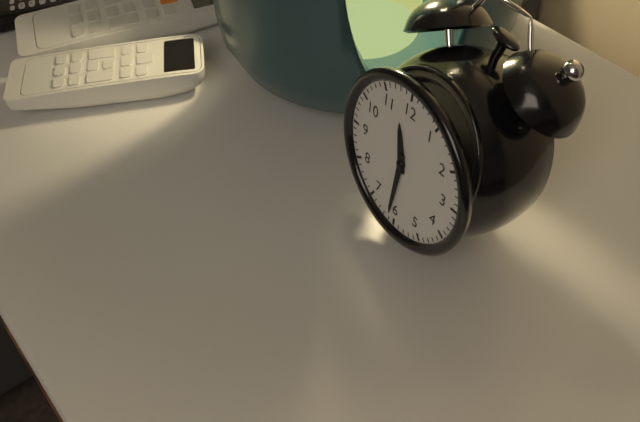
11:31
